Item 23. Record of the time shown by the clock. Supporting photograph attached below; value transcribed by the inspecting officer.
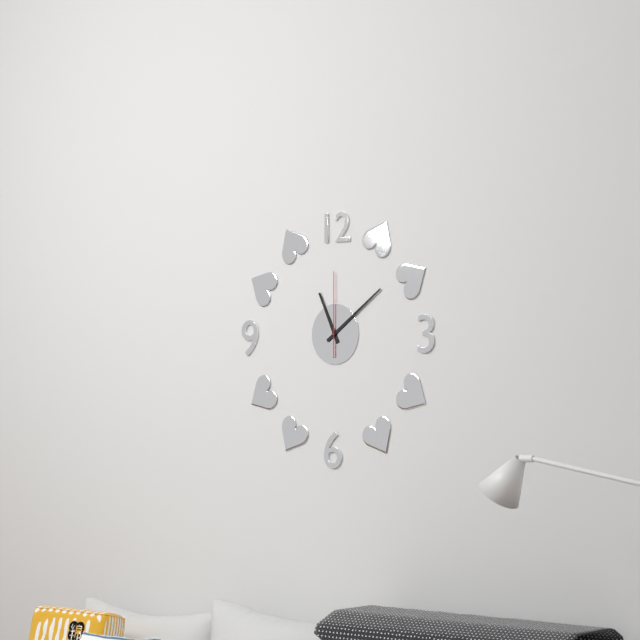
11:09:00
